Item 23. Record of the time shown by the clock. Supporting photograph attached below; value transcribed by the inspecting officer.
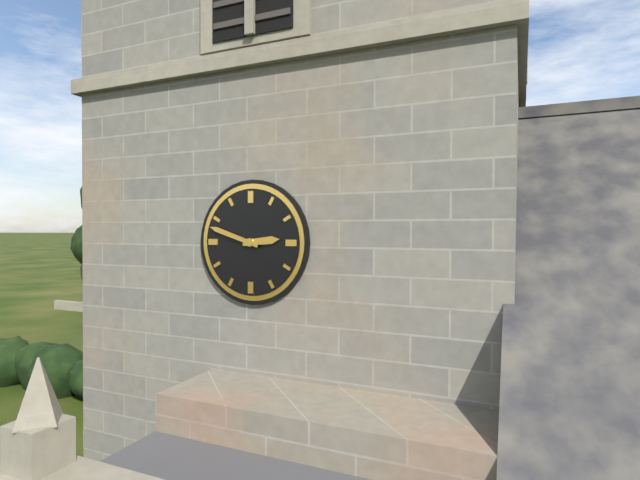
2:48
